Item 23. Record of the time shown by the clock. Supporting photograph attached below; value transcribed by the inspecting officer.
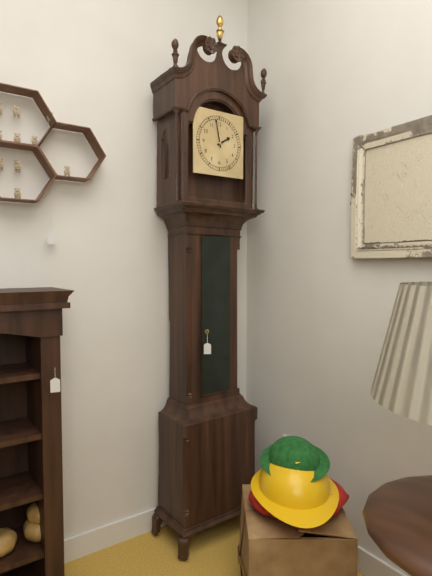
1:58
